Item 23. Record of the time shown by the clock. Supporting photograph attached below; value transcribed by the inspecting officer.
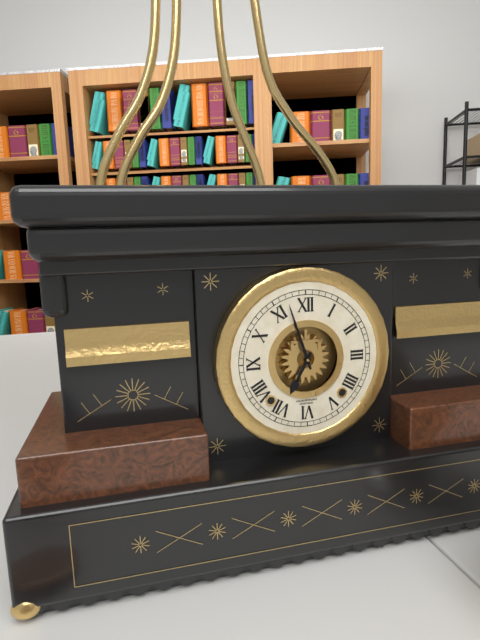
6:57
